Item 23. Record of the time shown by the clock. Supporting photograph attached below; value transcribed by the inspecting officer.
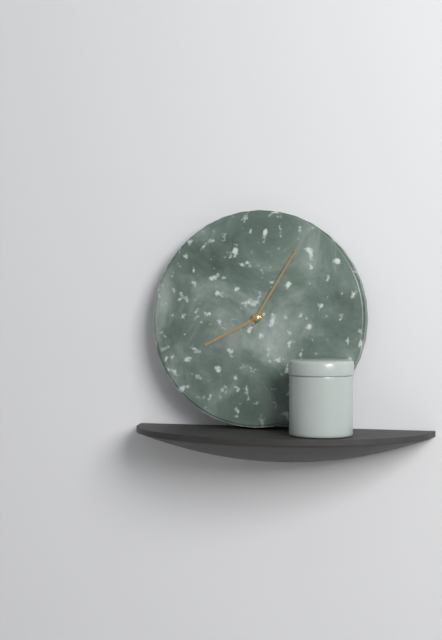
8:05
